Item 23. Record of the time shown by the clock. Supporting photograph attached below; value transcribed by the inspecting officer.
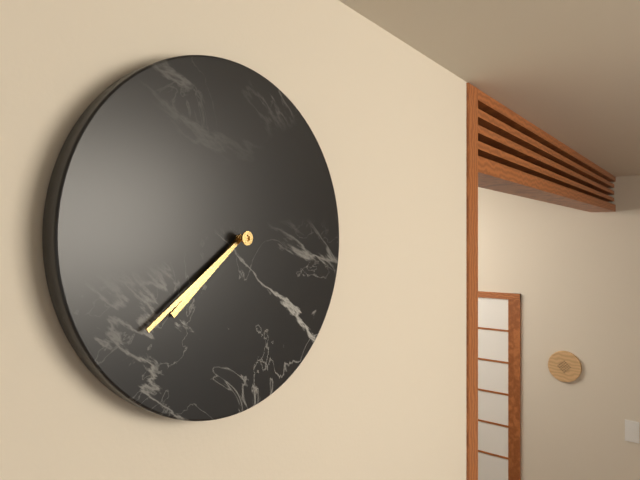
7:39
